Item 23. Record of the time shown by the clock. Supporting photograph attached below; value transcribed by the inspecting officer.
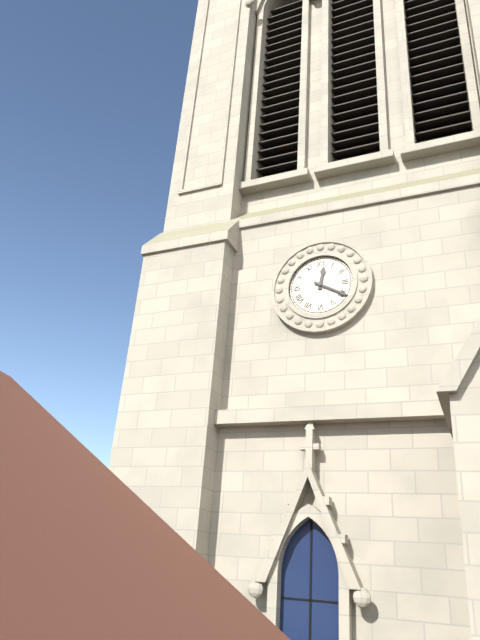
12:20
